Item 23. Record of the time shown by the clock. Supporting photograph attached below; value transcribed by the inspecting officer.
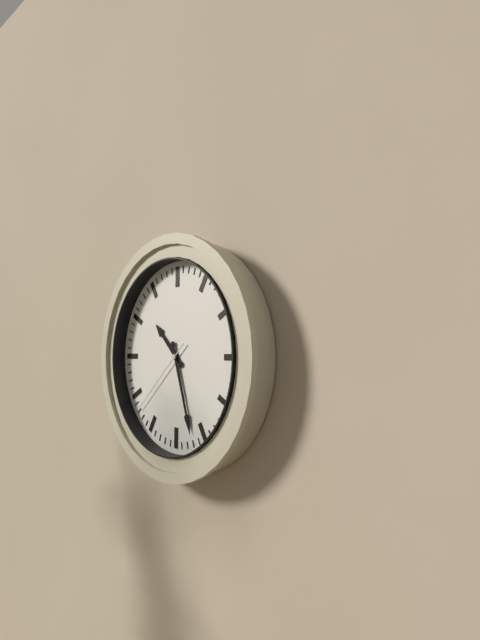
10:27:38
